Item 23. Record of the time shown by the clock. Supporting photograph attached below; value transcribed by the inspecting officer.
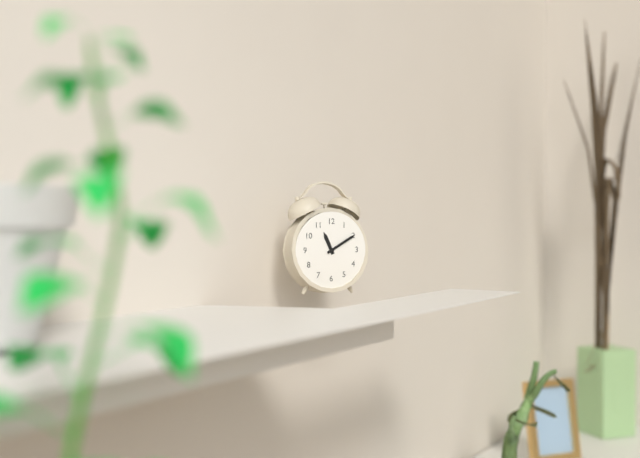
11:10
